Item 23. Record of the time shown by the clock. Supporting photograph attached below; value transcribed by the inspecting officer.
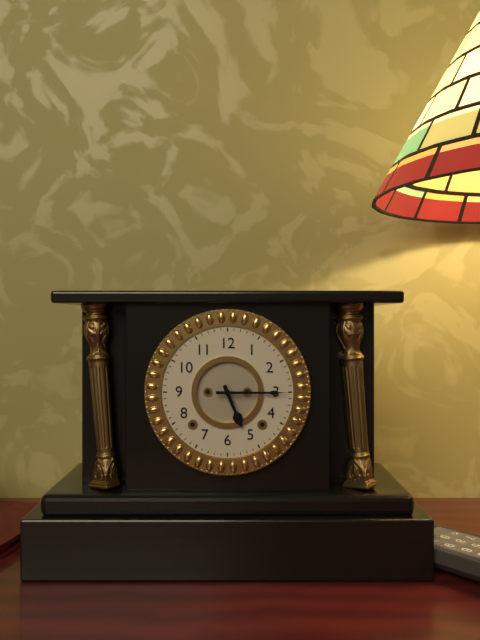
5:15
